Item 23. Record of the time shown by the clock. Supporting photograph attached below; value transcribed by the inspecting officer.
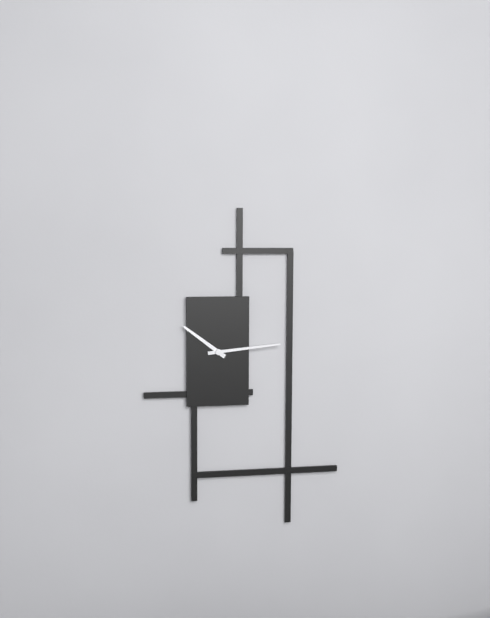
10:14
